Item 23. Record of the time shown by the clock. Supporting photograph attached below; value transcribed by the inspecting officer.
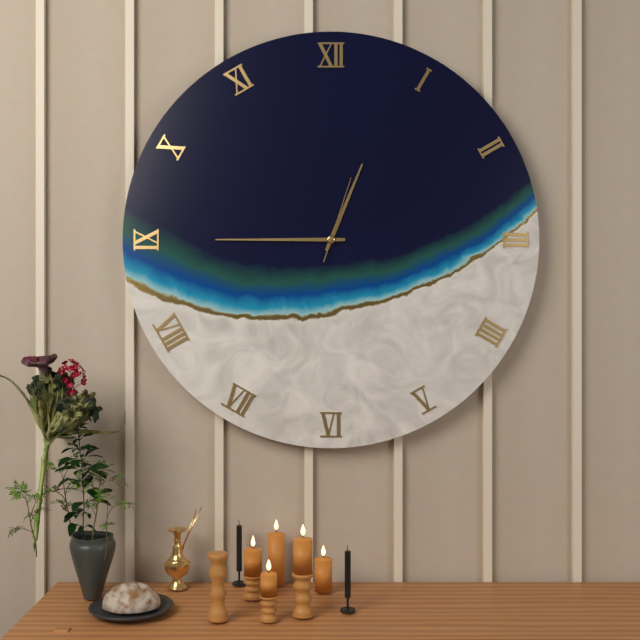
12:45:03
